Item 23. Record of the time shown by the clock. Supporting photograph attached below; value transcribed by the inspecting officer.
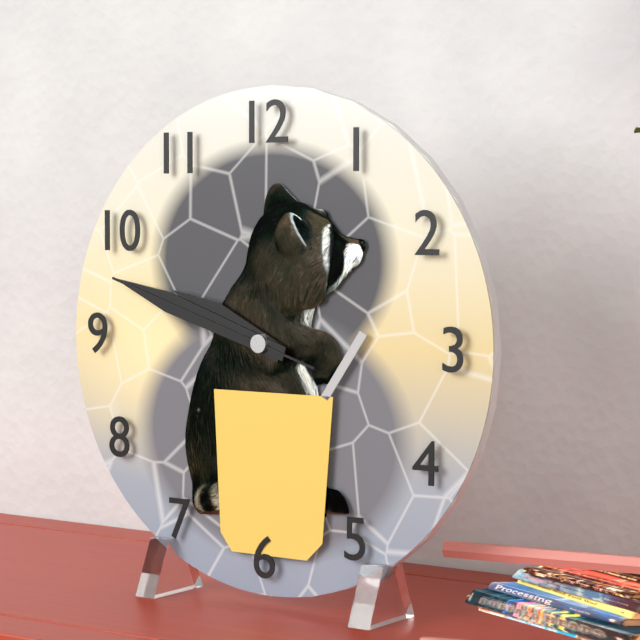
9:48:48
